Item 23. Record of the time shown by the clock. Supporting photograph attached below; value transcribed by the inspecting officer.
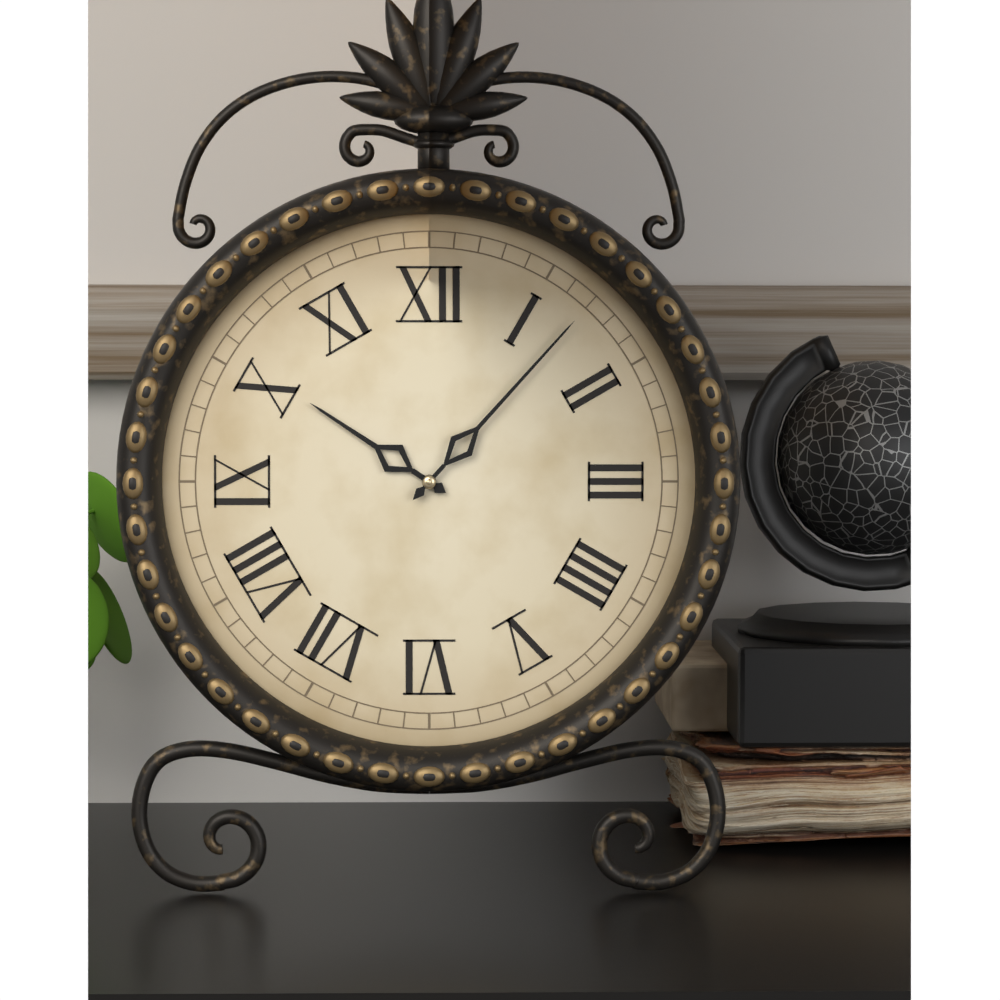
10:07
